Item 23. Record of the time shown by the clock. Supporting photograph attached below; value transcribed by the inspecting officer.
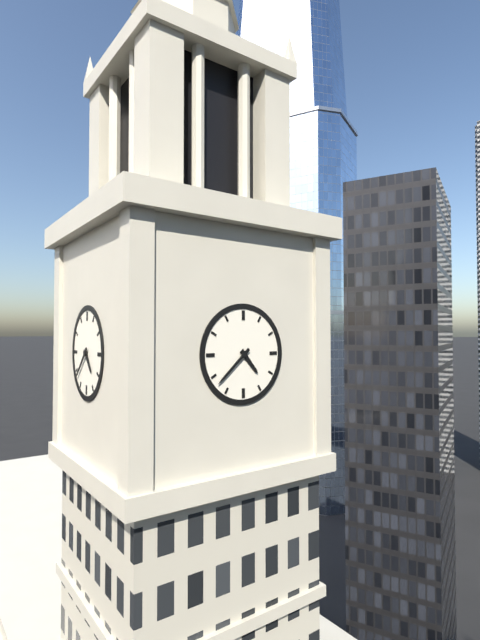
4:38
